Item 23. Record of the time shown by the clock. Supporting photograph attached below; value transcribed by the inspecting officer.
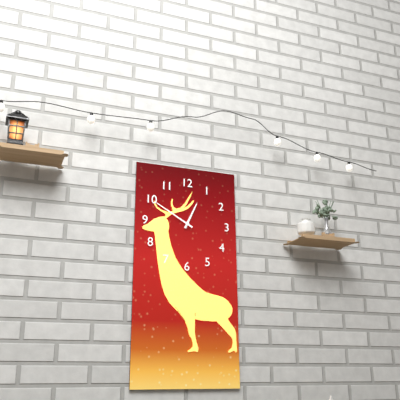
12:50
